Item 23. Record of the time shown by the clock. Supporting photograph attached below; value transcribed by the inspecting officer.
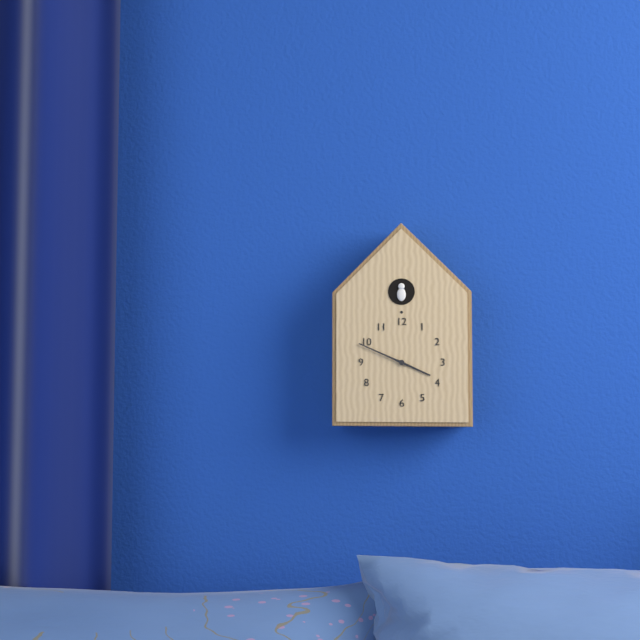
3:49
